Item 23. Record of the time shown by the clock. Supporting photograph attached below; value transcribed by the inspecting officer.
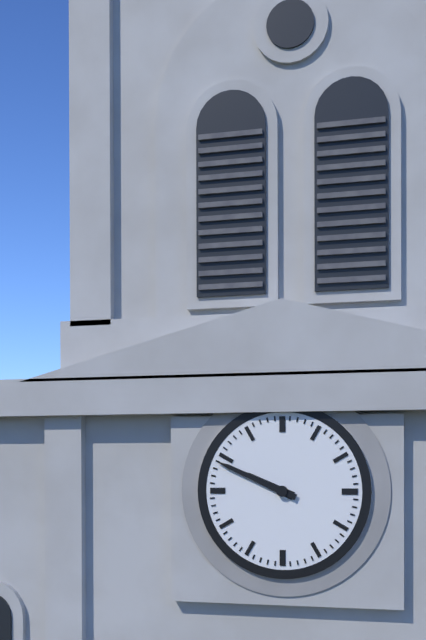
9:49
